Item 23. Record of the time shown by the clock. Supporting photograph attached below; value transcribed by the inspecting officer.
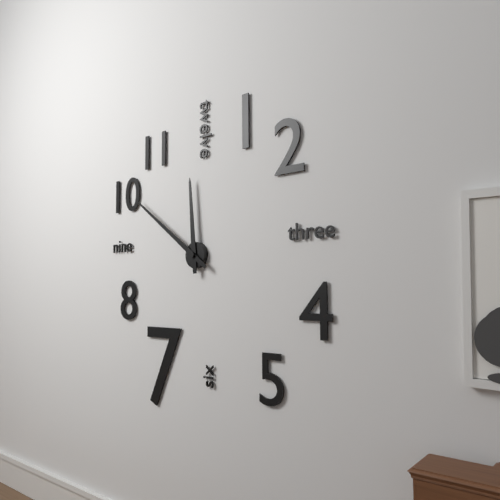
11:51
